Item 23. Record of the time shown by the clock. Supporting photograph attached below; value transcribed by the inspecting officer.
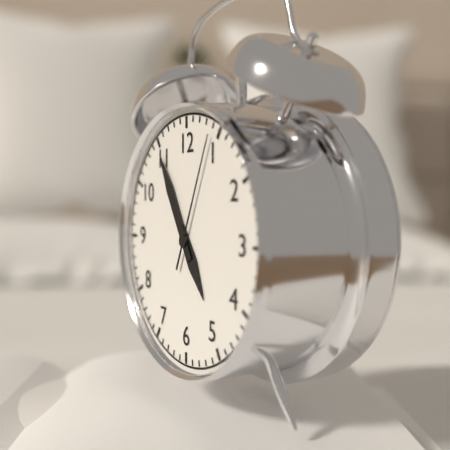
4:55:04
